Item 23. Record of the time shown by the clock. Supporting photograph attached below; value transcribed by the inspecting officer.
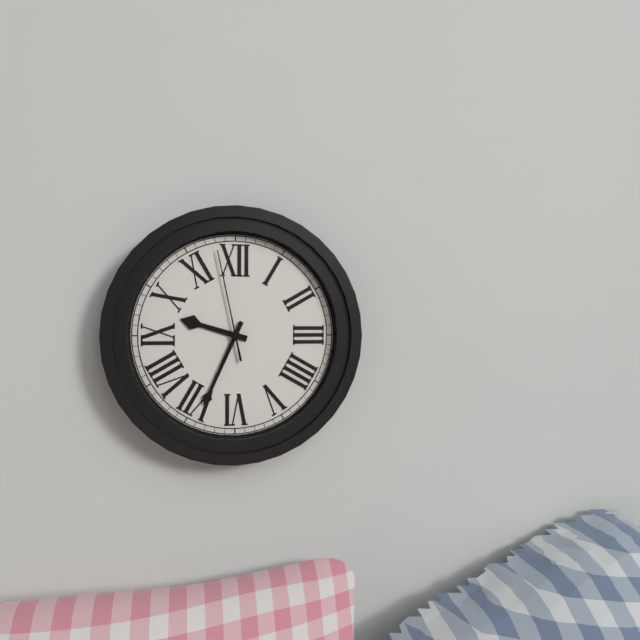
9:34:58
